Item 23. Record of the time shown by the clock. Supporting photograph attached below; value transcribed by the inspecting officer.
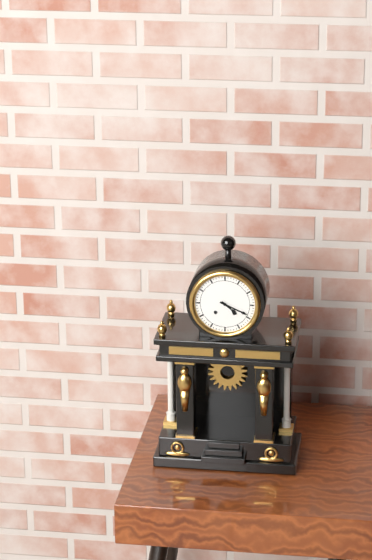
4:19
